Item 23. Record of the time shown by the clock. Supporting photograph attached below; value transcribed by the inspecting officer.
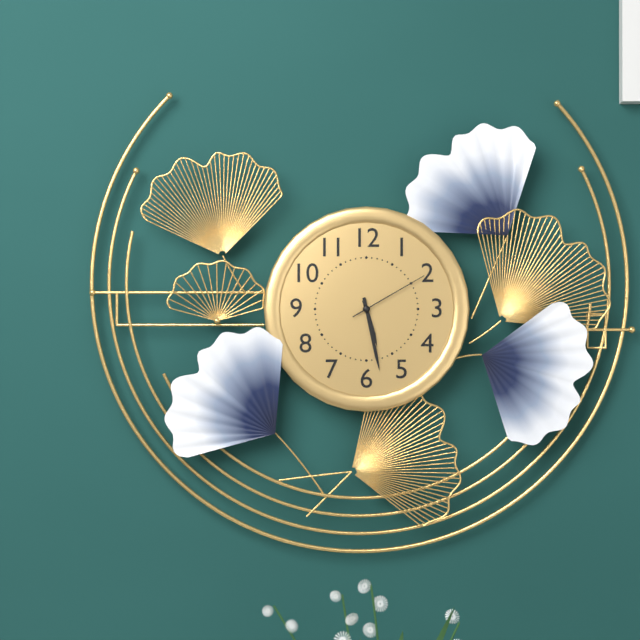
5:28:10
